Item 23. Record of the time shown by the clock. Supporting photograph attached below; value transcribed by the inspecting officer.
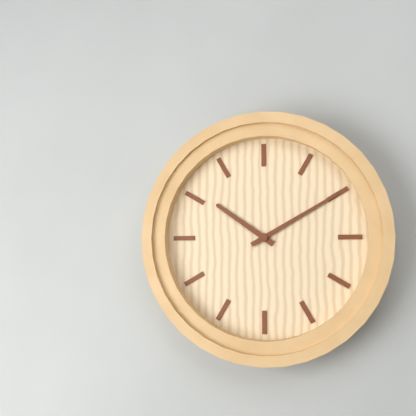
10:10
